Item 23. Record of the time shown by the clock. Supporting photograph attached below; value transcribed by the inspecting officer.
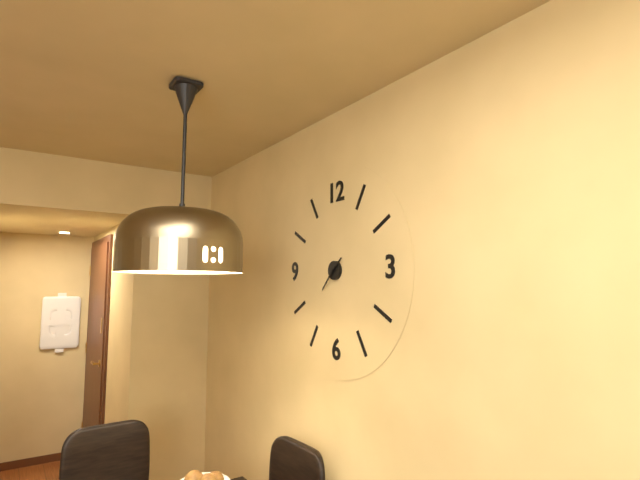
1:37
